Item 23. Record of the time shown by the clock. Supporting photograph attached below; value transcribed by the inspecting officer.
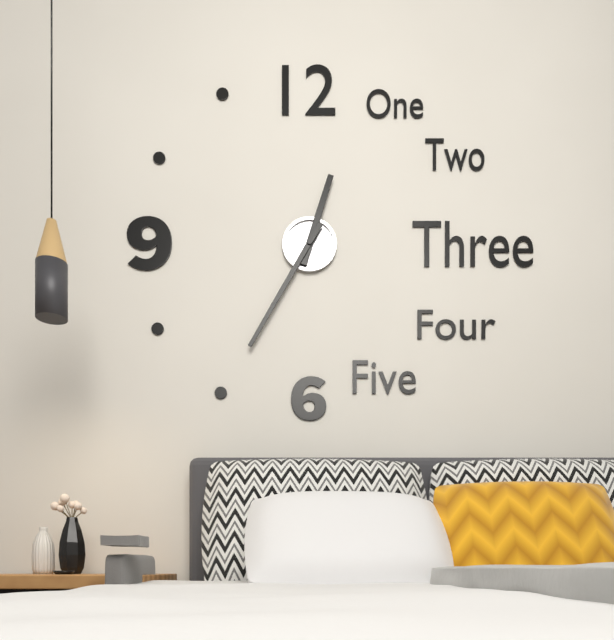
12:35
